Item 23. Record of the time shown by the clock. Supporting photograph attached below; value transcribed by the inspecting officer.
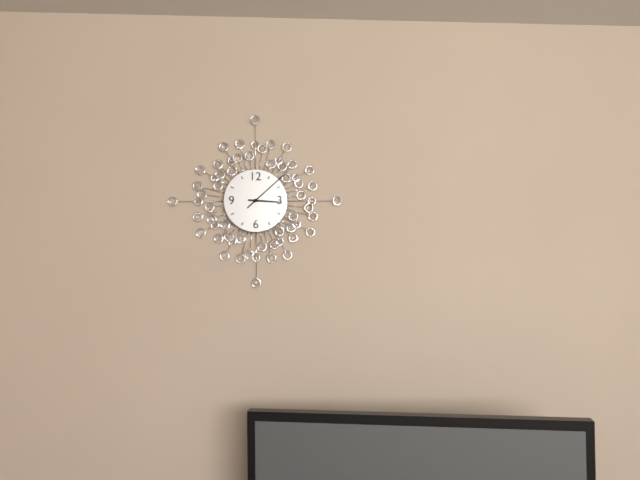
3:08
